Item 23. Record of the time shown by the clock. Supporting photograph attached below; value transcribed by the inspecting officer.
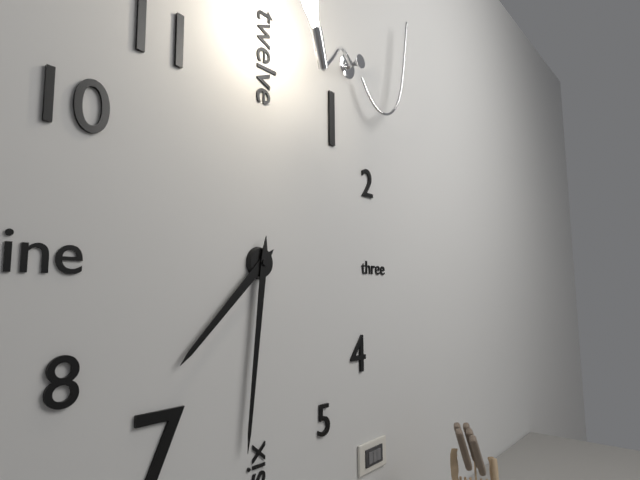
7:31
